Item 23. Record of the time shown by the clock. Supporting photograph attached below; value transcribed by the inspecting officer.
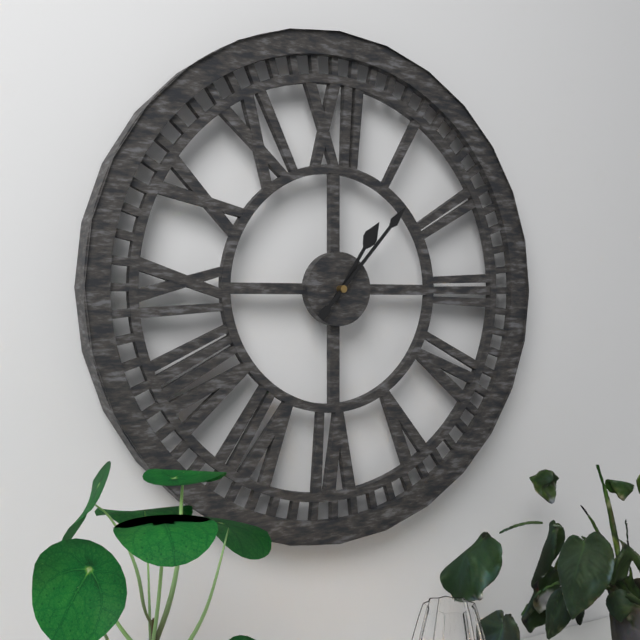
1:07
